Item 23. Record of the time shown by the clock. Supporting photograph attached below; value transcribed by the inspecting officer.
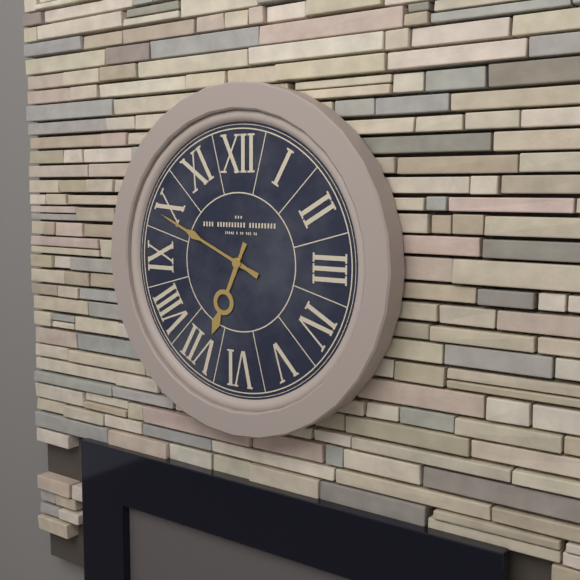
6:49
